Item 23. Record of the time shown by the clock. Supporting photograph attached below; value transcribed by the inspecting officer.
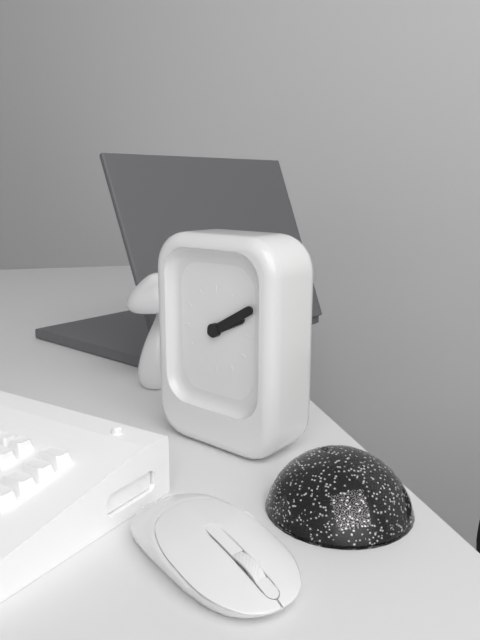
2:10
